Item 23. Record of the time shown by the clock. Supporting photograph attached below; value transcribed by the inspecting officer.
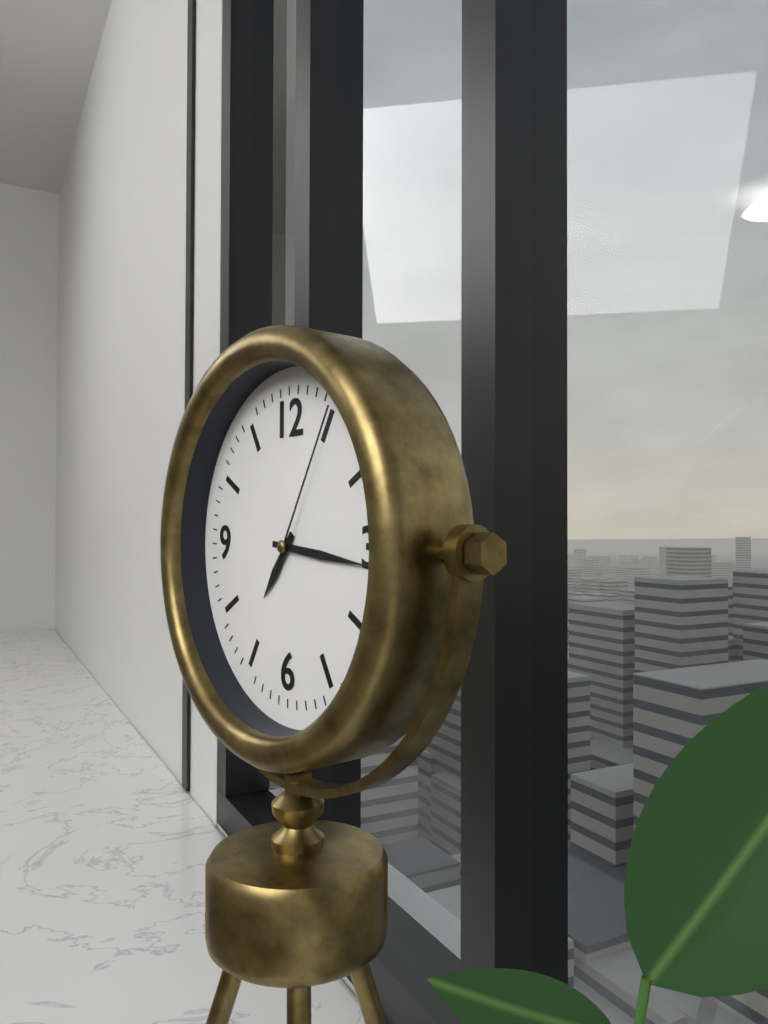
7:16:05
